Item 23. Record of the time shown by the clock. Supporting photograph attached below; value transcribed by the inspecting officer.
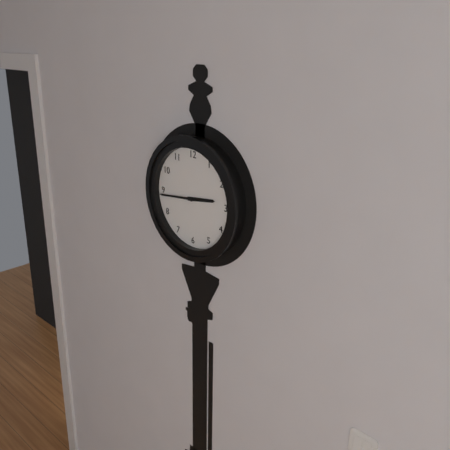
2:44
